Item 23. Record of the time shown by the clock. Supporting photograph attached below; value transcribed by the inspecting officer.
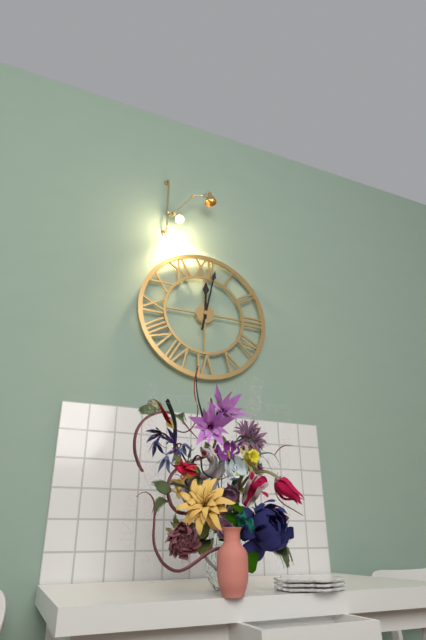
12:02
